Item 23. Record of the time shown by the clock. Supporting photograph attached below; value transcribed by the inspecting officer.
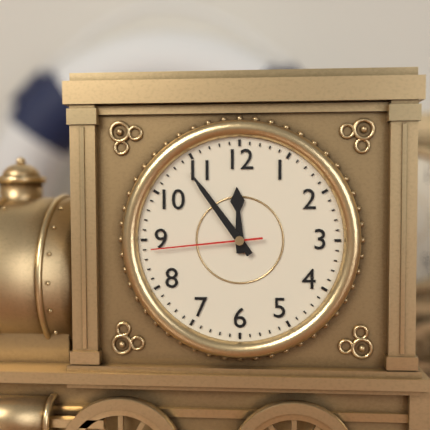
11:54:44
